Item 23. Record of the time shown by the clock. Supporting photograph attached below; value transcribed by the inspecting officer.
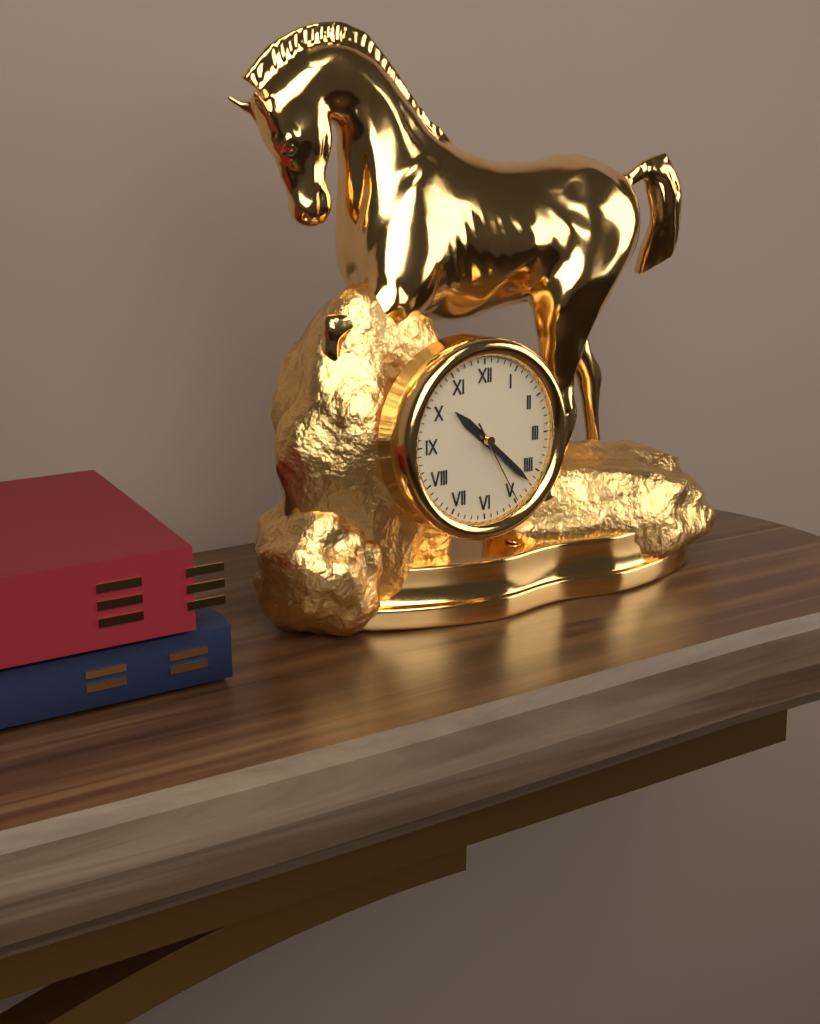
10:22:25
